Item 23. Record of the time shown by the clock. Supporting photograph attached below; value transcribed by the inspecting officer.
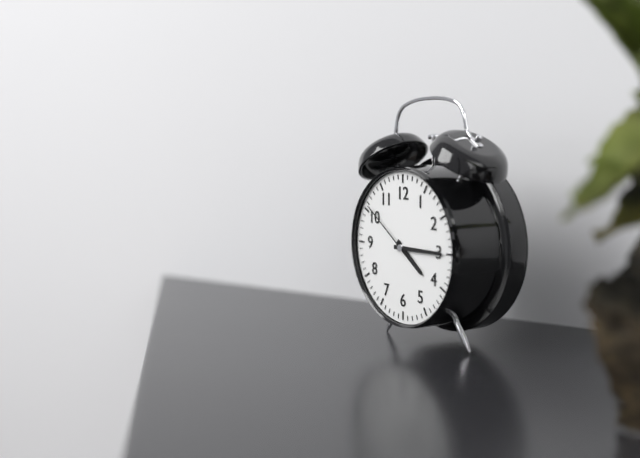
4:15:51
